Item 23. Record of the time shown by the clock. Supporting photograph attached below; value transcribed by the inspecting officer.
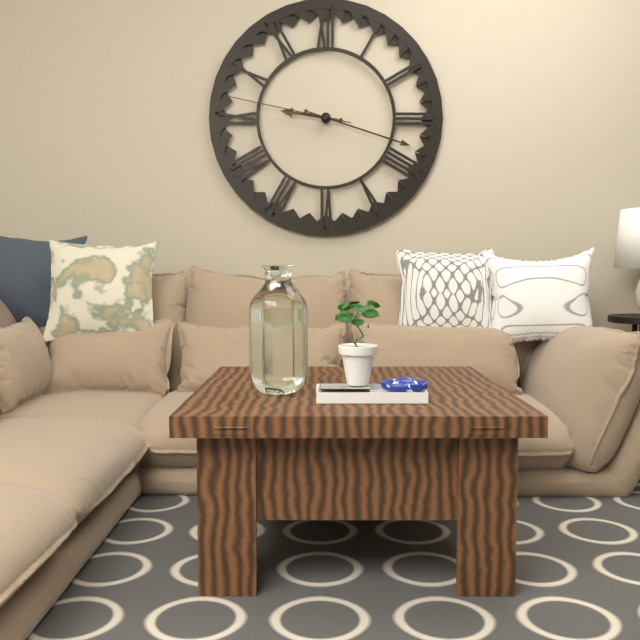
9:18:47
